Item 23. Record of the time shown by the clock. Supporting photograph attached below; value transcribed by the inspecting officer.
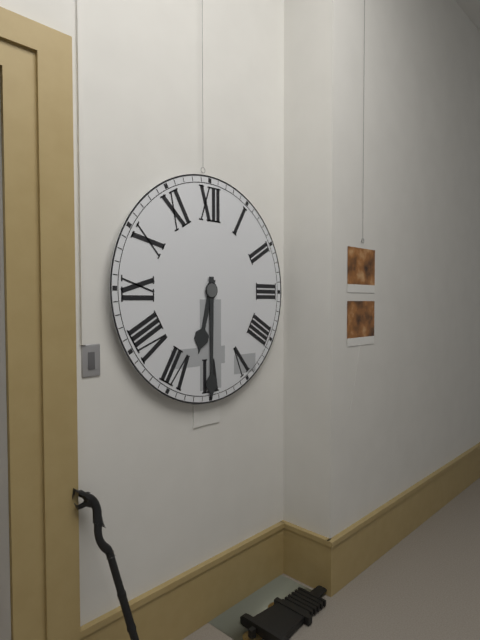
6:30
